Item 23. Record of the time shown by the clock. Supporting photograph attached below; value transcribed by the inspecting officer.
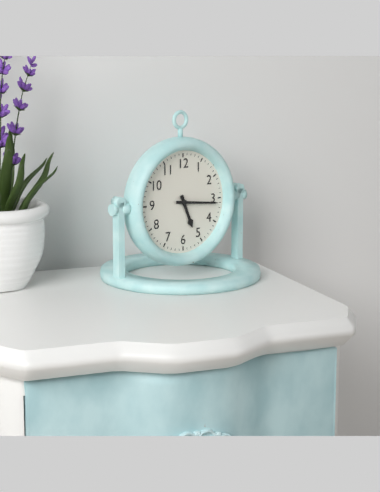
5:16
